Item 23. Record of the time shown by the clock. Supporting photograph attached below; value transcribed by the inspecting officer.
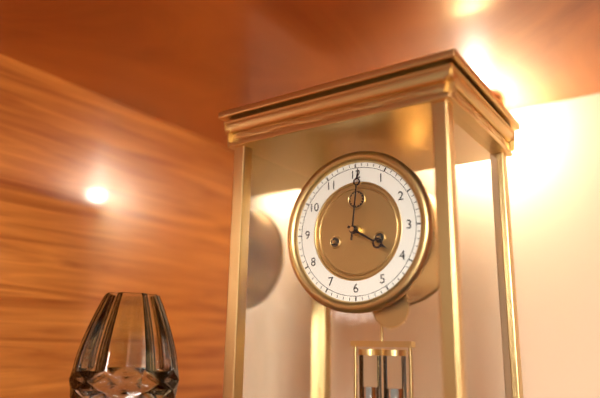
4:01
